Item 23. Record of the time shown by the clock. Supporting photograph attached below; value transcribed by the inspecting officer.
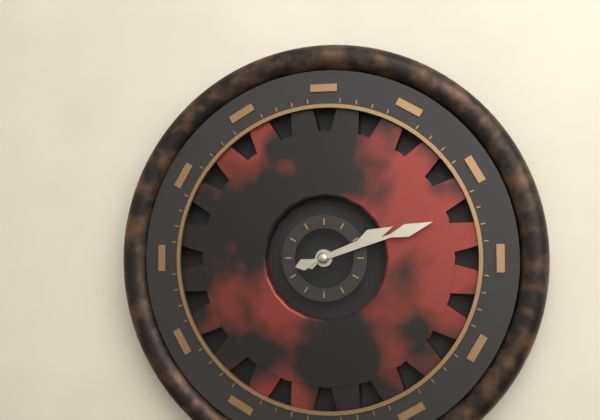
2:12
